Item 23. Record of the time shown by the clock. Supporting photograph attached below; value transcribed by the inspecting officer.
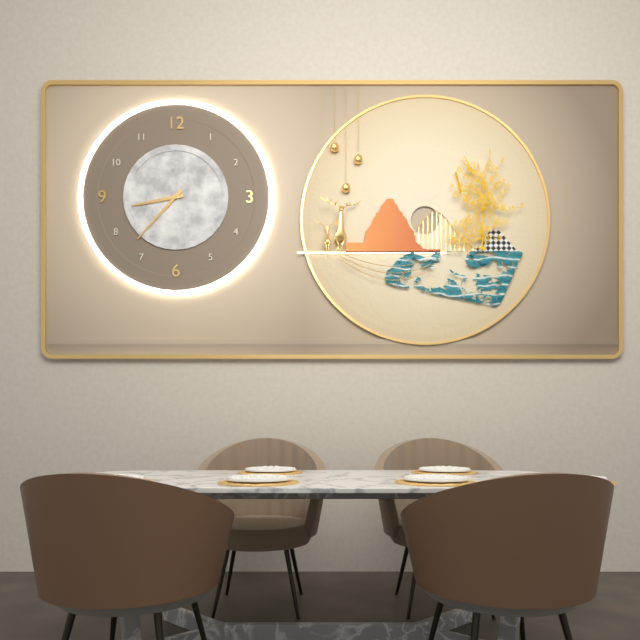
8:37
